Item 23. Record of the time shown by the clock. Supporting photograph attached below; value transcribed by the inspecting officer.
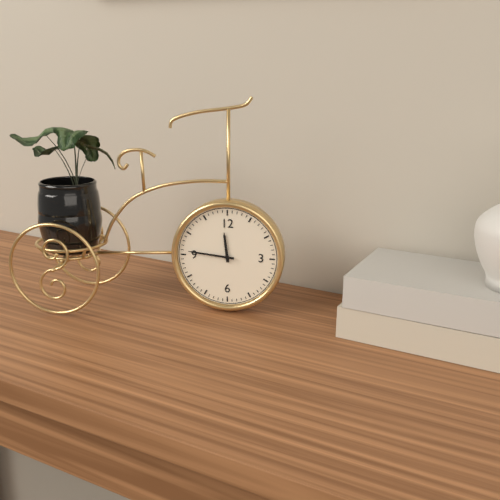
11:46
